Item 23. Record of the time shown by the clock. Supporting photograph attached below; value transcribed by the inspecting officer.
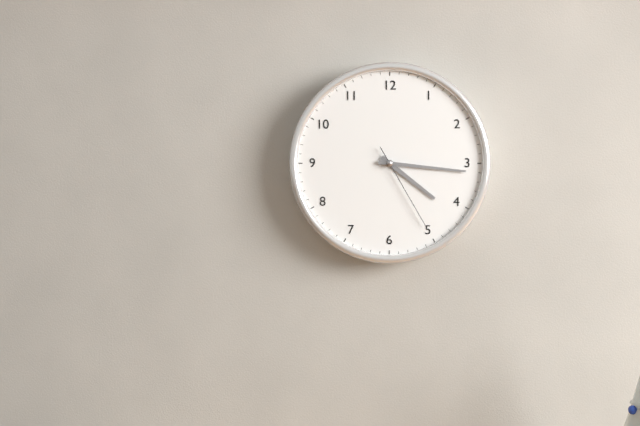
4:16:25
